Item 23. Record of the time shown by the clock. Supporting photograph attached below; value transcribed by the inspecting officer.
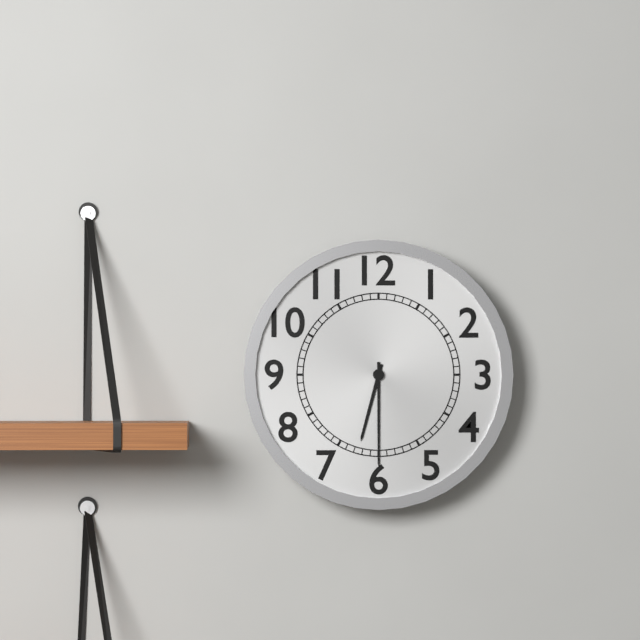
6:30
